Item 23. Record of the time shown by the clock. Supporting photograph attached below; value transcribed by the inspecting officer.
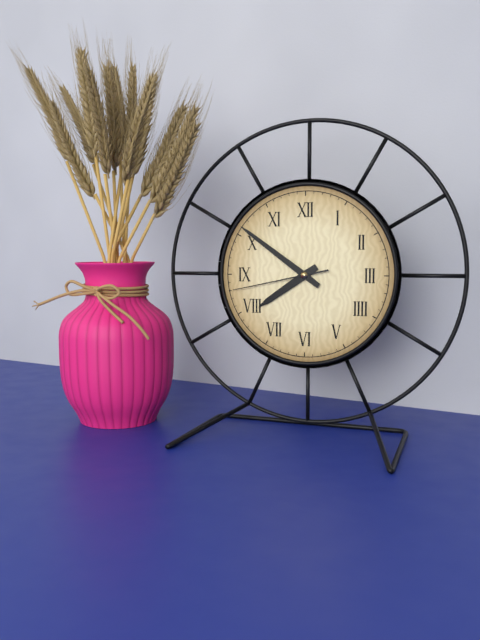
7:51:43
